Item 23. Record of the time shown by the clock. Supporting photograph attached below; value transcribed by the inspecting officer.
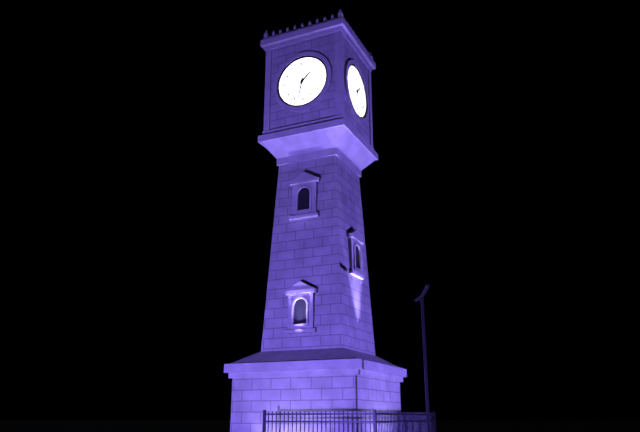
1:32
